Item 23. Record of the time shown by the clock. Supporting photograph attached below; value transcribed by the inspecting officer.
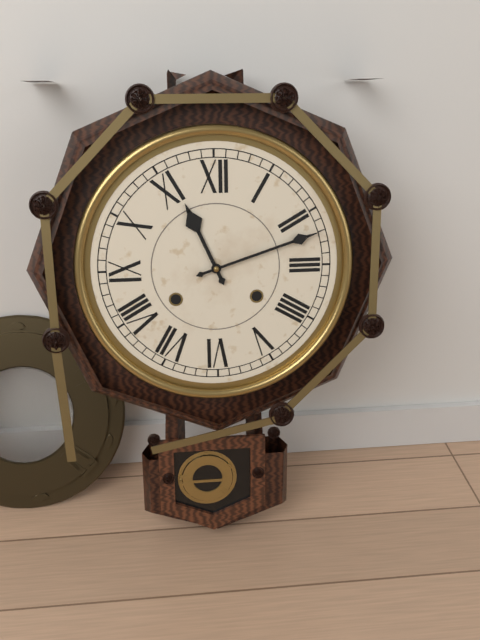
11:12
